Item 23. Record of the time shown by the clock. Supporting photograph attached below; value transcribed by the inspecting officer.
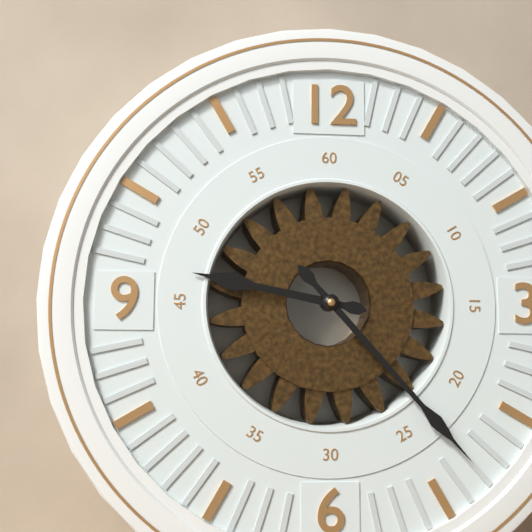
9:23
